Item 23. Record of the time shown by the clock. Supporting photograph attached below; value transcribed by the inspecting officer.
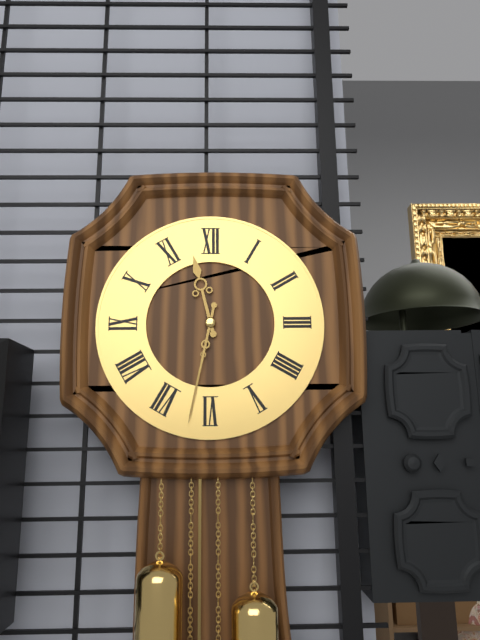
11:32
